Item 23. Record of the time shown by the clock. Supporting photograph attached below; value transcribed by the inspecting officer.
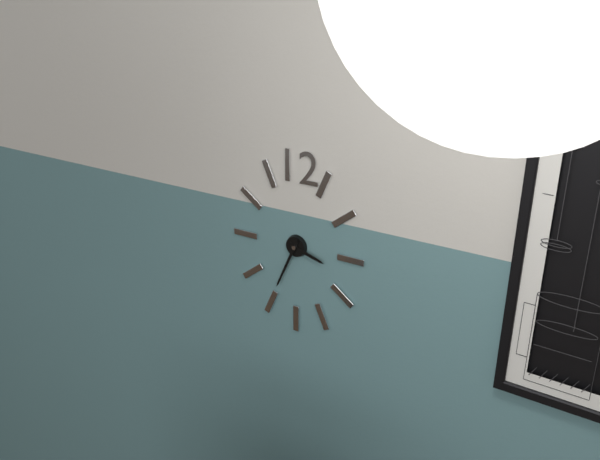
3:34
